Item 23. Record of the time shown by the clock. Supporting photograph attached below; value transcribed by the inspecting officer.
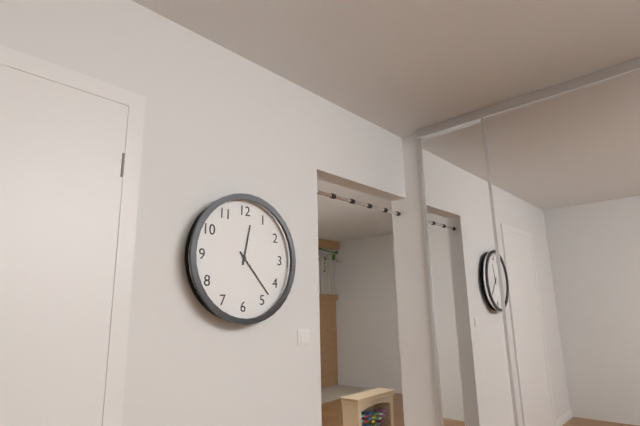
12:23
